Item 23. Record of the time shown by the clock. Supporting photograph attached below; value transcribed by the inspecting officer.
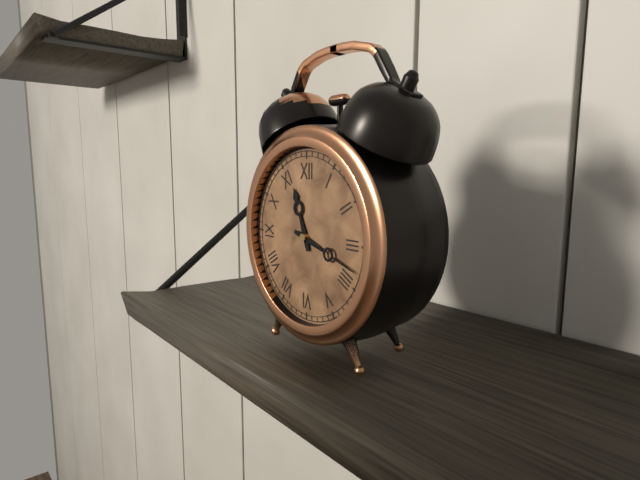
11:18
